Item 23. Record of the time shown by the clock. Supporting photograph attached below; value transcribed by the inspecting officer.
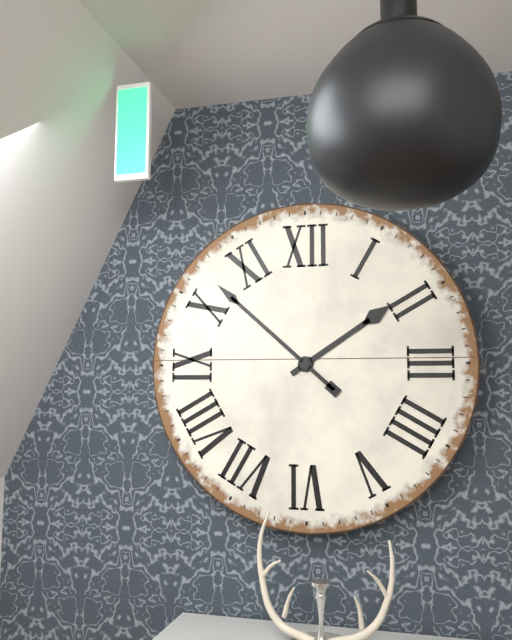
1:52
